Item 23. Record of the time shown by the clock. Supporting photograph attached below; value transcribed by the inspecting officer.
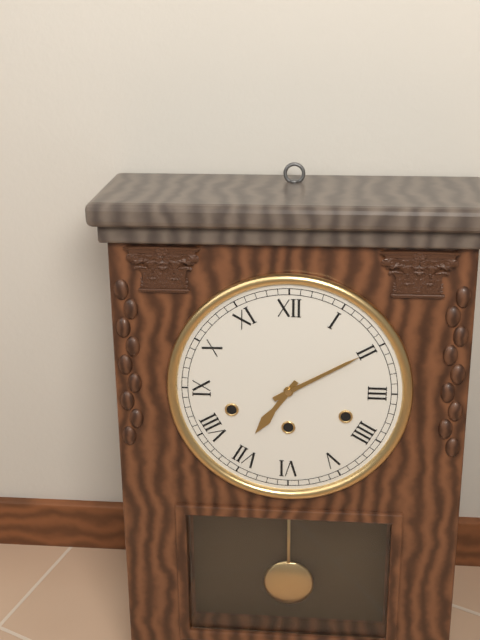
7:10
